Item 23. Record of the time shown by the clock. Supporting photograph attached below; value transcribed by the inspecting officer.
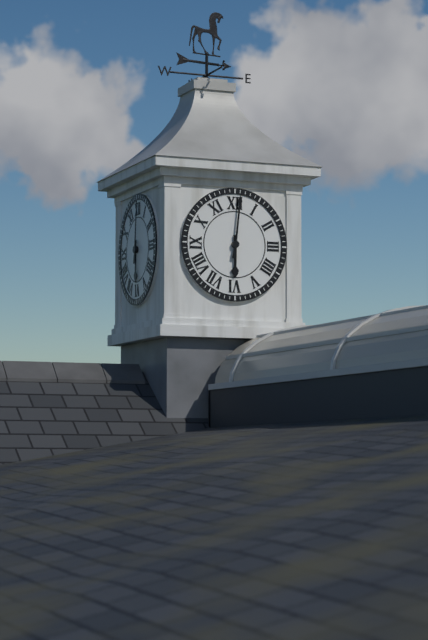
6:01
